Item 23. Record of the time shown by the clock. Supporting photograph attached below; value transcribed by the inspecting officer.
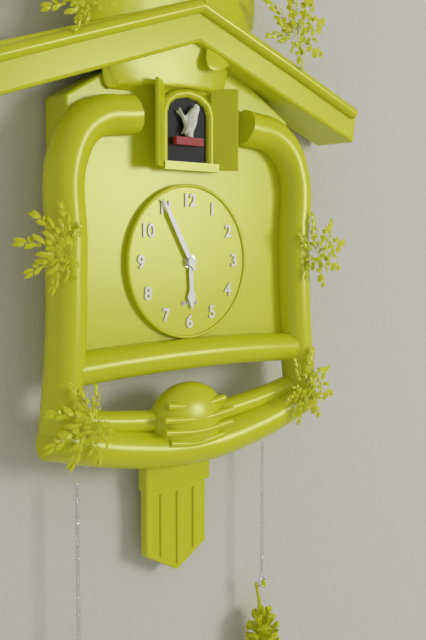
5:55
